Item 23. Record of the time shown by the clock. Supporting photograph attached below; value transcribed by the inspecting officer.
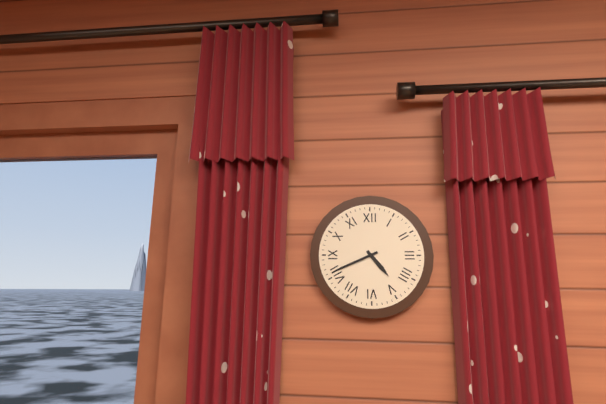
4:41
